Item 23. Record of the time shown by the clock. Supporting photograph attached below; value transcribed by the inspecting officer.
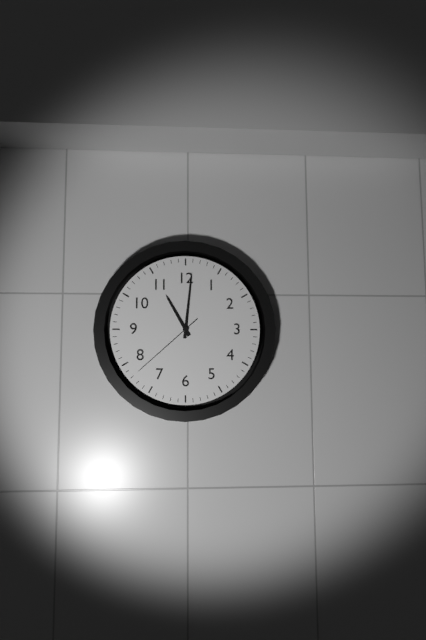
11:01:38
